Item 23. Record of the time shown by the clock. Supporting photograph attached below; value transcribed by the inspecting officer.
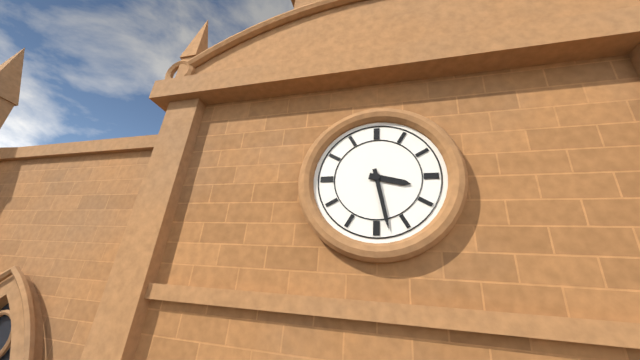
3:28
